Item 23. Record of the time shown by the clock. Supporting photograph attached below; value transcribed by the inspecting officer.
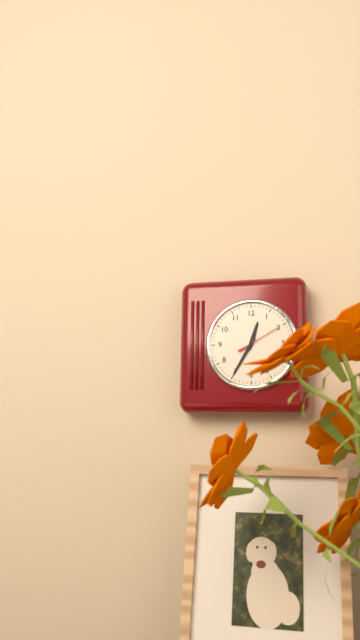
12:35
